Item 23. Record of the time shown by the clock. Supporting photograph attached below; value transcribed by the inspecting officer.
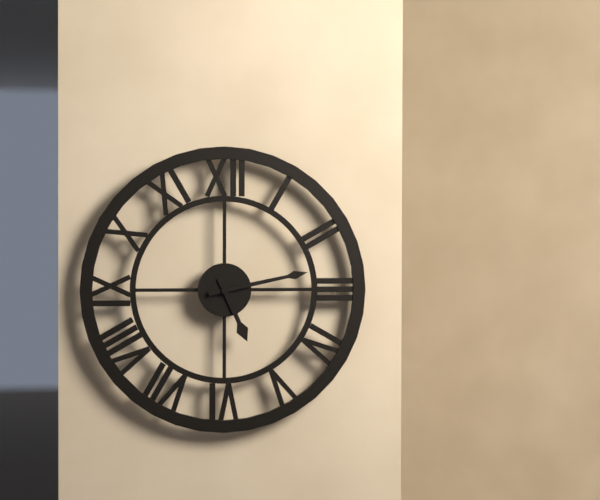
5:13
